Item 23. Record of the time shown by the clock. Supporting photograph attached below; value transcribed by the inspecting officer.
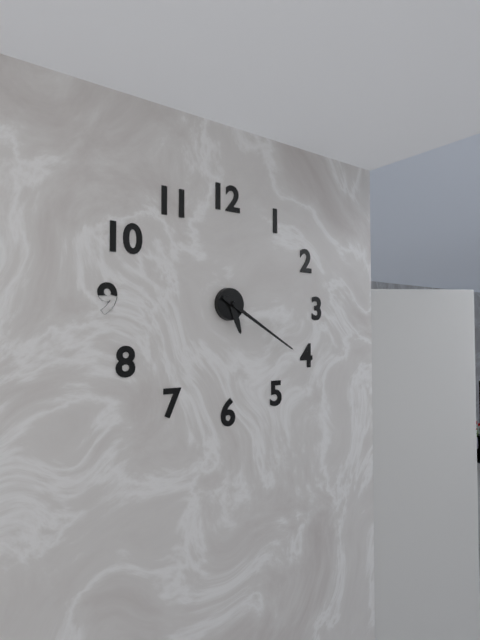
5:20
